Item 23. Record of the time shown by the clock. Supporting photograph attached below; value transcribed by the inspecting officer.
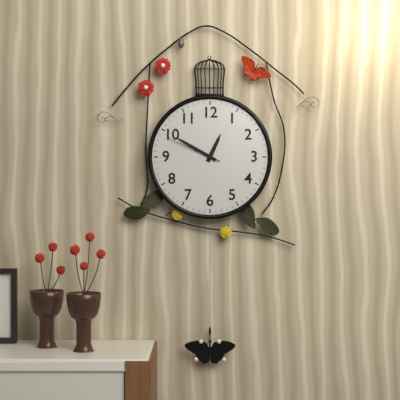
12:50:49
